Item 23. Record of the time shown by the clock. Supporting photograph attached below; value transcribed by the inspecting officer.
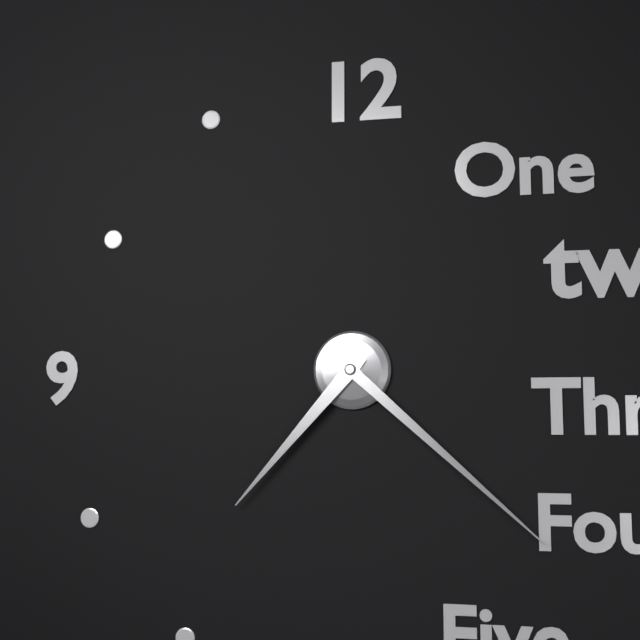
7:22
